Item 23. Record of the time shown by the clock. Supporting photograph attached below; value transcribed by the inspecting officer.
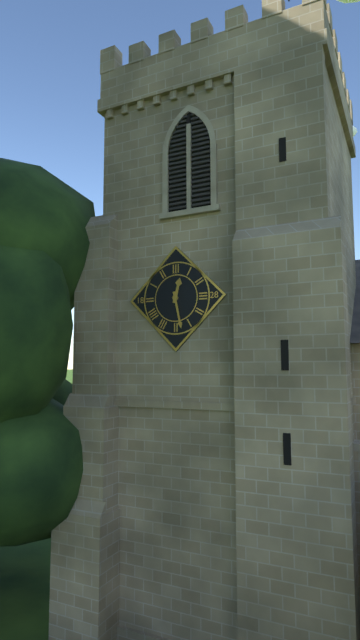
12:28
